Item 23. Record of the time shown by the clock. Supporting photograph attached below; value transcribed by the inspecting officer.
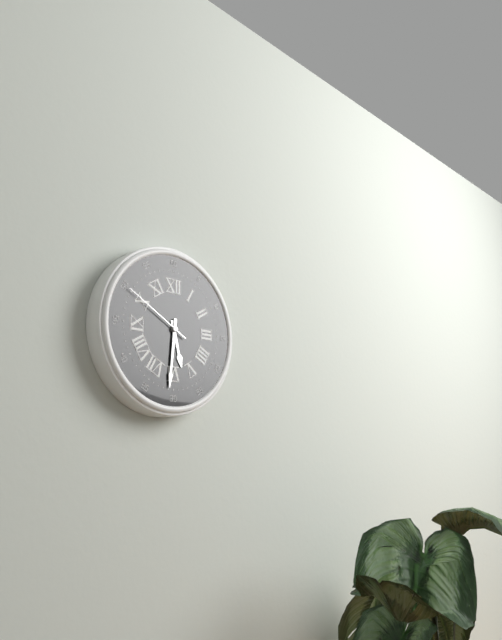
5:31:50
